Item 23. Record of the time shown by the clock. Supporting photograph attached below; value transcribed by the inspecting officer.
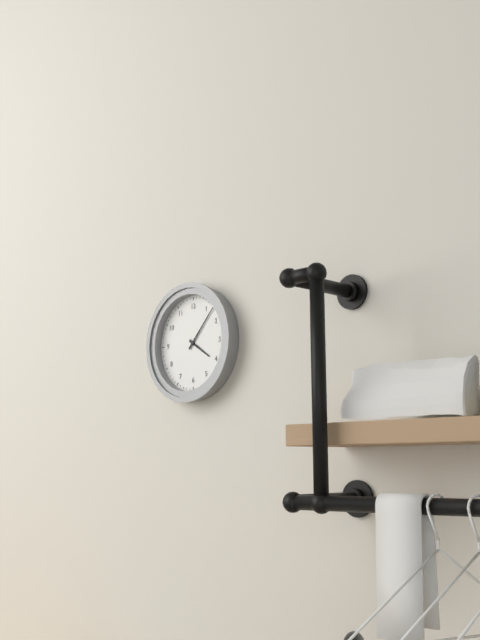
4:07
